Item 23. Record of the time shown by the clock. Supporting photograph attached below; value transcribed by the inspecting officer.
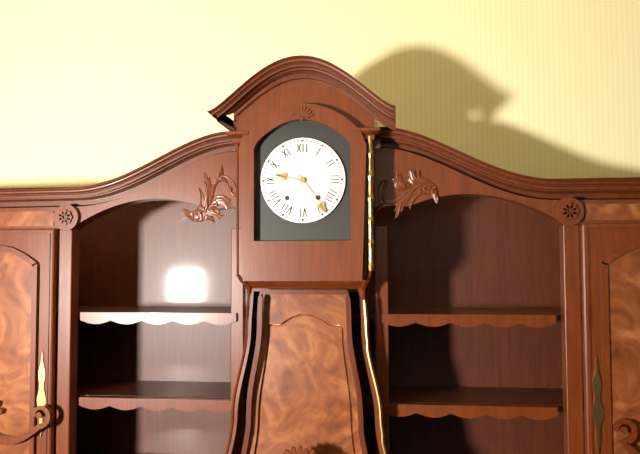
9:24
